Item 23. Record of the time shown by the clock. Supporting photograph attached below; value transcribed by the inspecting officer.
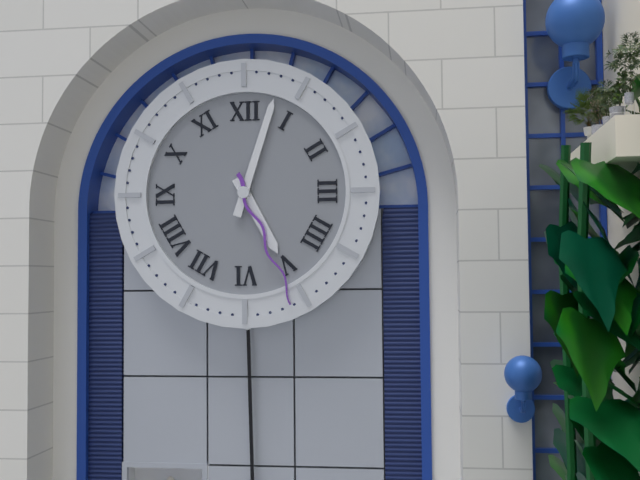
5:03:26
